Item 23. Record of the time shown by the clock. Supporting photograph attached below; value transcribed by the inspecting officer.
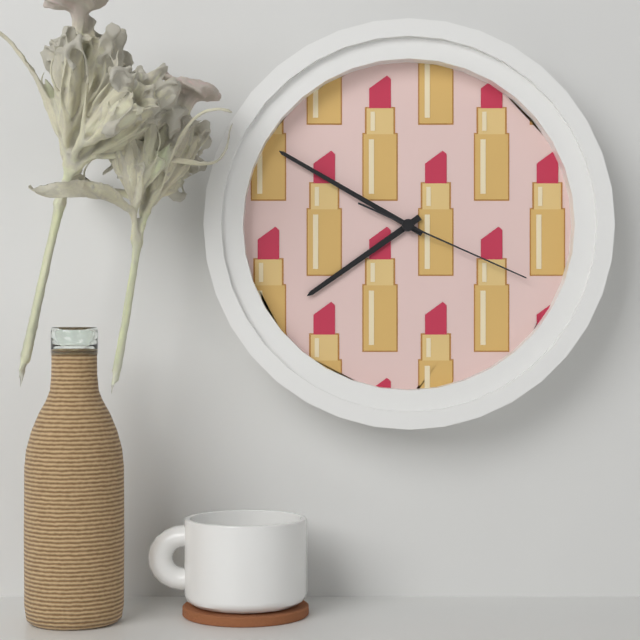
7:50:19
